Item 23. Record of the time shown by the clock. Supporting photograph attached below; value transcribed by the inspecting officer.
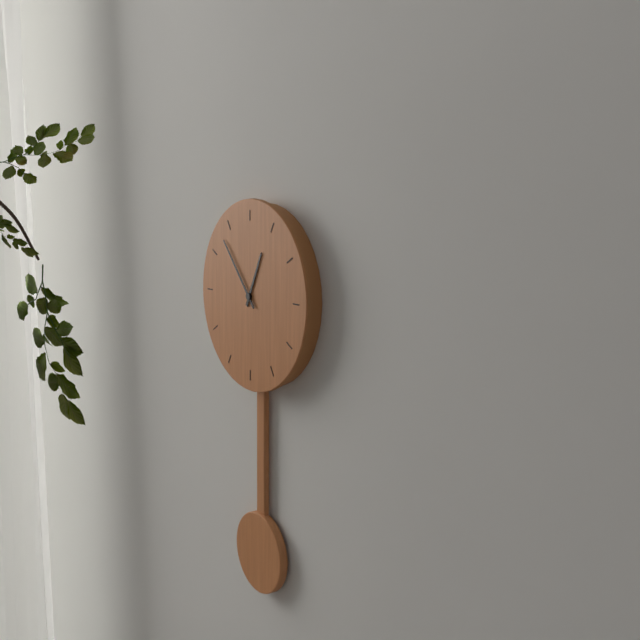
12:53
